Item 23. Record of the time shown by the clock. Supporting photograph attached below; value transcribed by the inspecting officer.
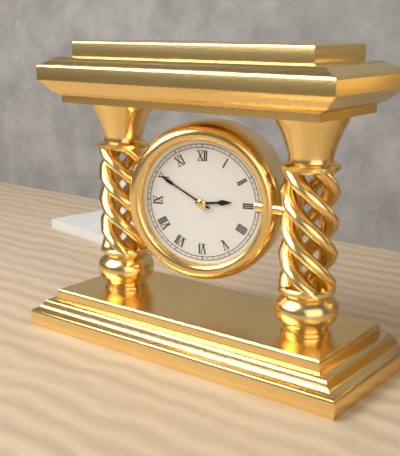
2:50
